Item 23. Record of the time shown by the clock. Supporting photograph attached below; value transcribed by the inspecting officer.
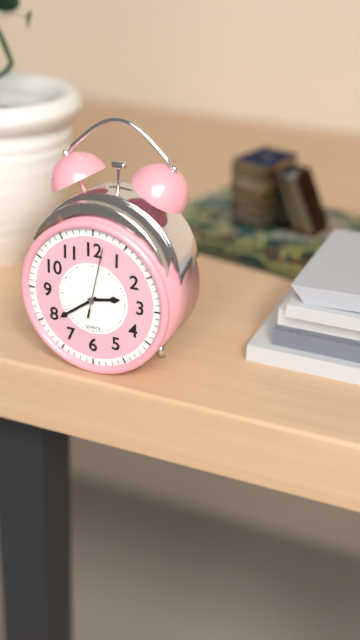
2:39:02
